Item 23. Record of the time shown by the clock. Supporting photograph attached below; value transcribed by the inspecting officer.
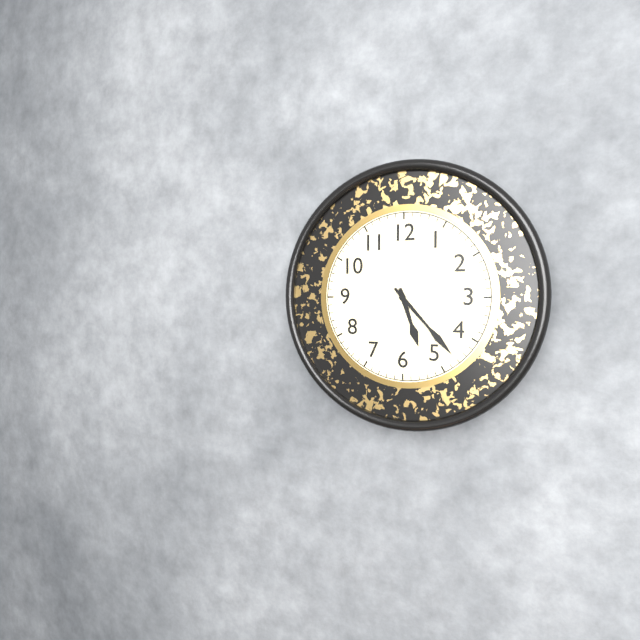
5:23
